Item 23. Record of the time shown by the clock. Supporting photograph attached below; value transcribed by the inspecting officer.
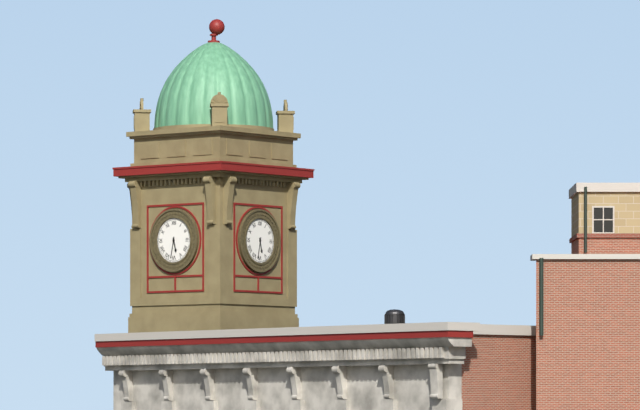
5:32
